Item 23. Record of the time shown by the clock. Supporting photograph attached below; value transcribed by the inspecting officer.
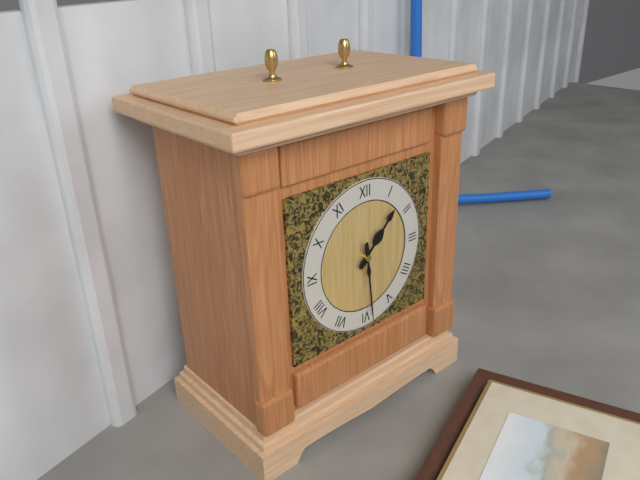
1:29
